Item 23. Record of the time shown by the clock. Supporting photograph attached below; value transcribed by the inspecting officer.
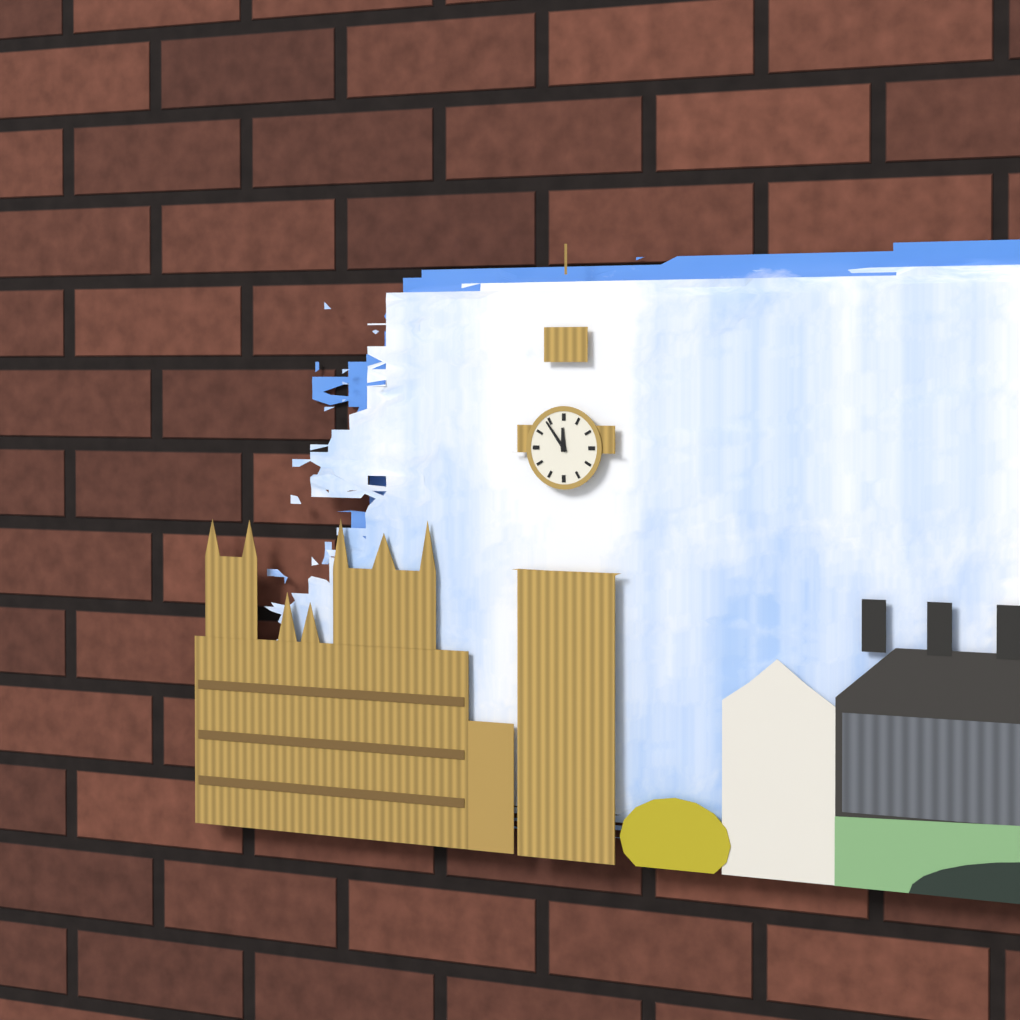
11:54
